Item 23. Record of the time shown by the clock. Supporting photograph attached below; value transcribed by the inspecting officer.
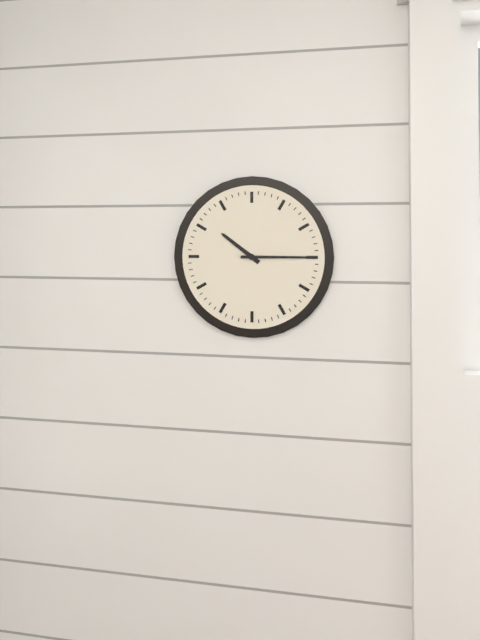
10:15
